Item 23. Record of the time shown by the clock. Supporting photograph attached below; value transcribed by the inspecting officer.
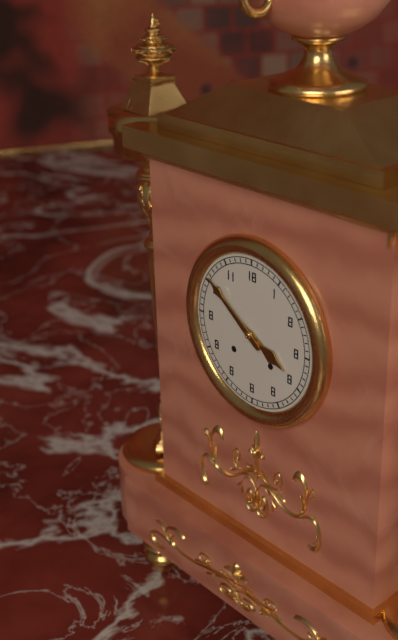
3:51
